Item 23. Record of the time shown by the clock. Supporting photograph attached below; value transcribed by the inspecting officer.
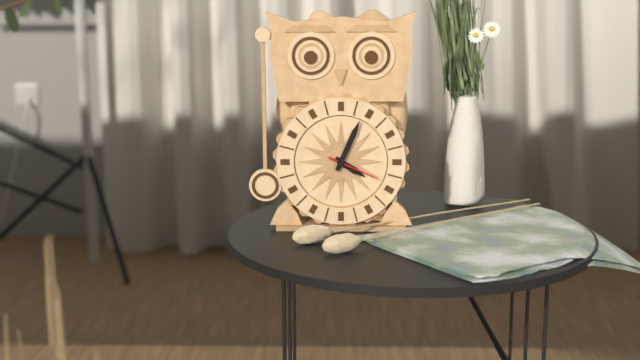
4:04:19
